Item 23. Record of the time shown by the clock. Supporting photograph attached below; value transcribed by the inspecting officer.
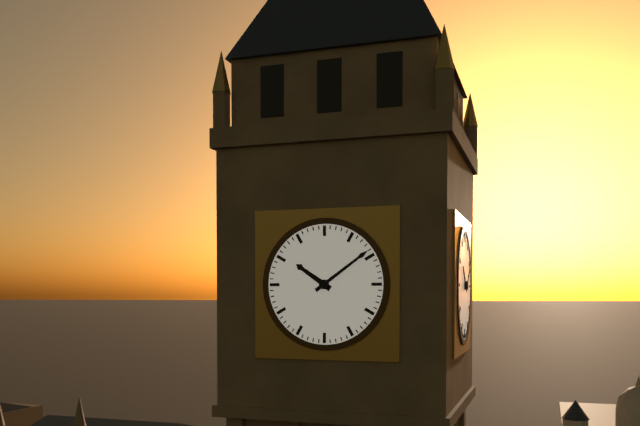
10:09
